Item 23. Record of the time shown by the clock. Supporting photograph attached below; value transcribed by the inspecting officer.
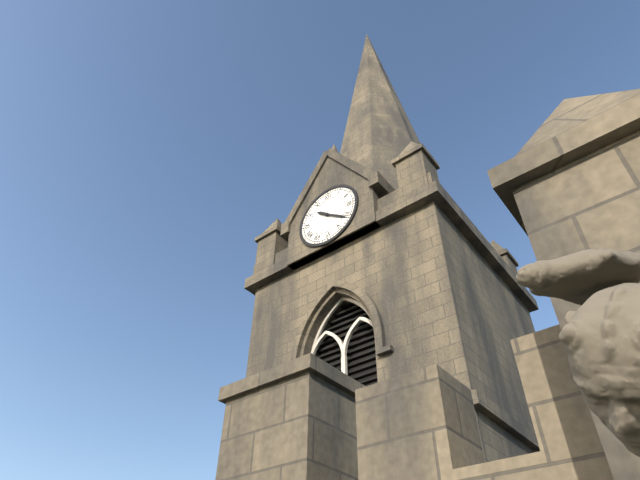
10:21
